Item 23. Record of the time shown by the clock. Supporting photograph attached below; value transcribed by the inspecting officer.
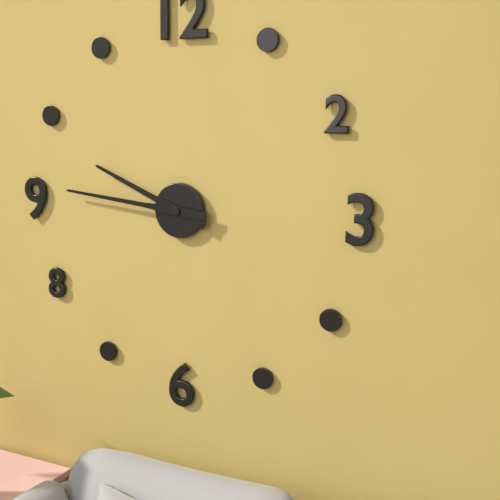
9:46
